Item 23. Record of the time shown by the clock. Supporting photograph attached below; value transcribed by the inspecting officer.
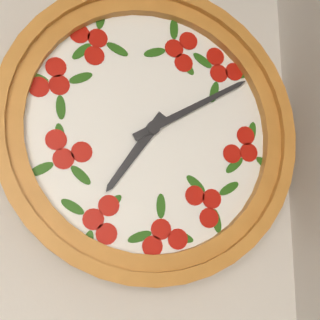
7:10
